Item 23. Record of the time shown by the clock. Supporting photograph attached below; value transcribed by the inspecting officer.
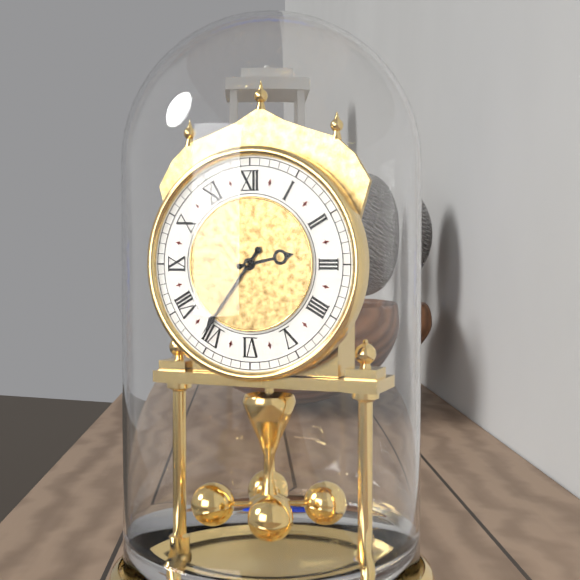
2:36
